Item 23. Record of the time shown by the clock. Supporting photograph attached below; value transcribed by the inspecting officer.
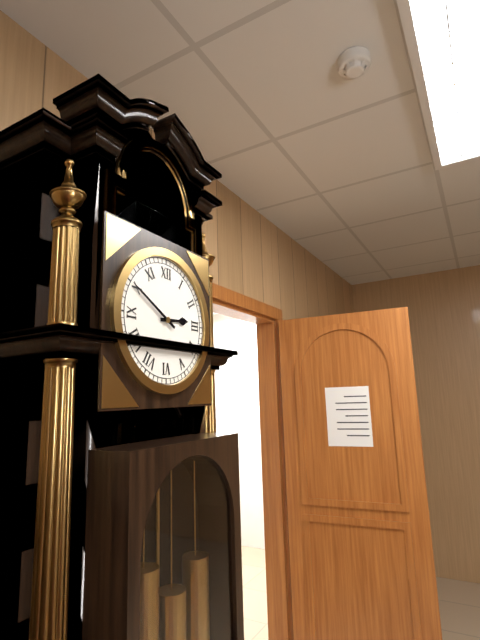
2:50
